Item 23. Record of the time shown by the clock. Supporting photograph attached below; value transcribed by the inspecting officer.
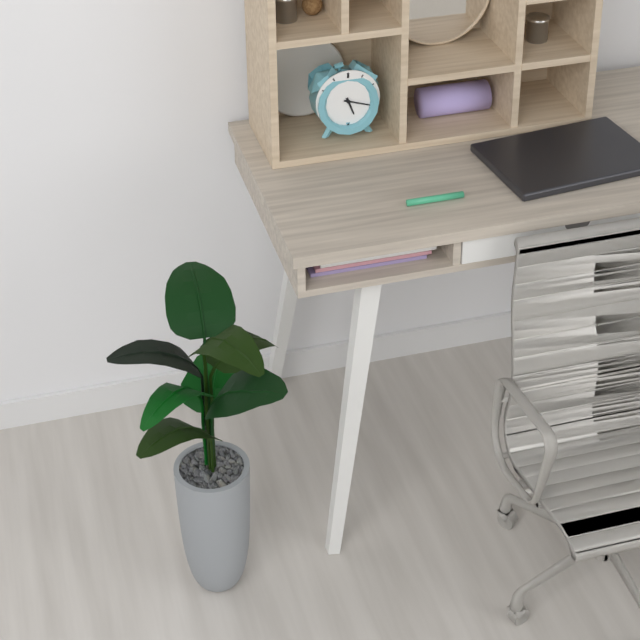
5:18
